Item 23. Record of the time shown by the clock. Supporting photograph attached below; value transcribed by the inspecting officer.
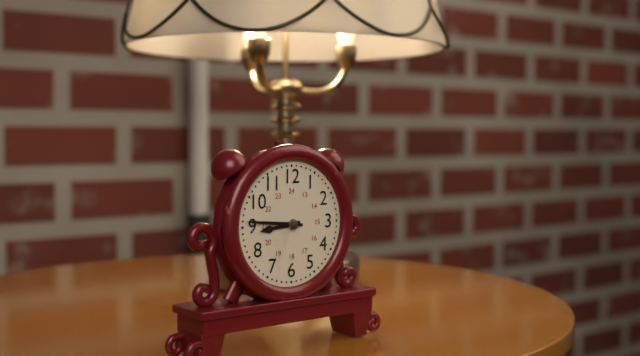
8:46
